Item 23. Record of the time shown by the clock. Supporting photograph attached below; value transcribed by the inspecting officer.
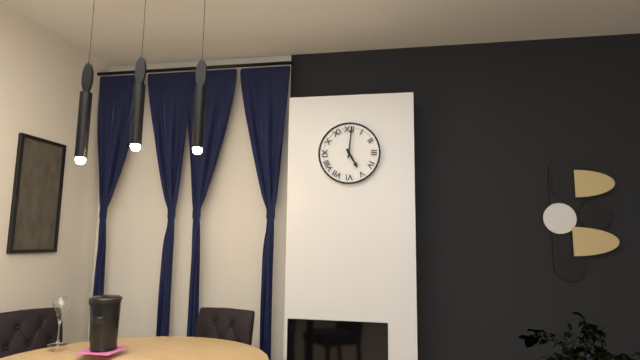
5:01
